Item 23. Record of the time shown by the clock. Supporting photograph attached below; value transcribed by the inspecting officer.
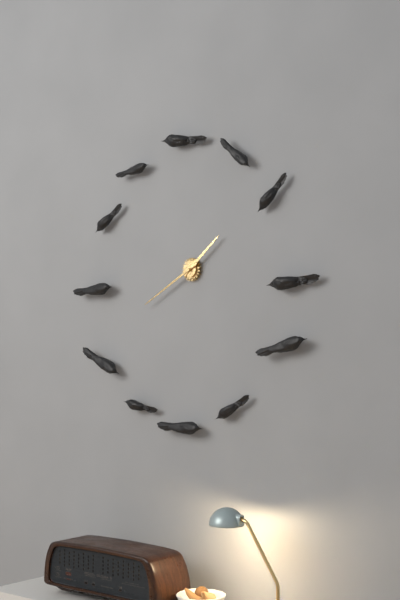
1:40
